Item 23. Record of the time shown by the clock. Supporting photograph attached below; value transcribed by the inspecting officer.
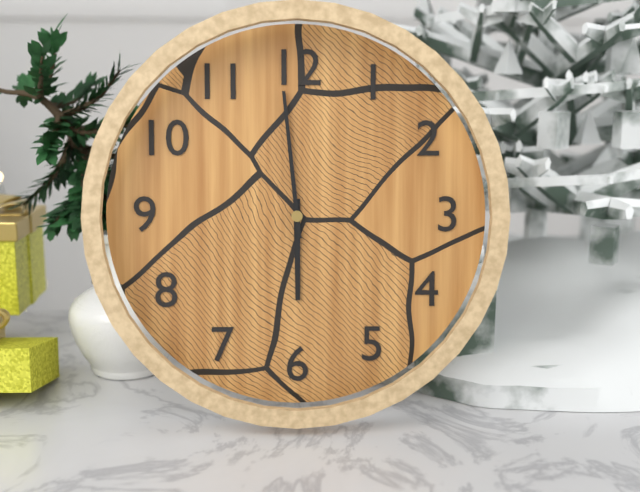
5:59
